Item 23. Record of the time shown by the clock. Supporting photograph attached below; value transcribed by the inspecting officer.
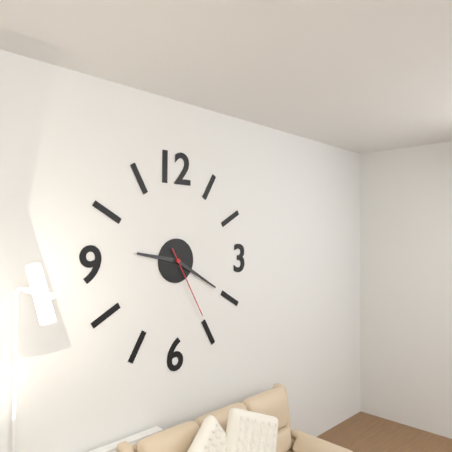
9:20:25
